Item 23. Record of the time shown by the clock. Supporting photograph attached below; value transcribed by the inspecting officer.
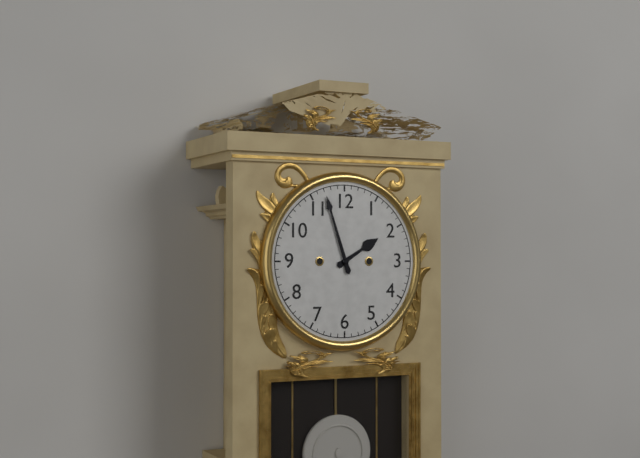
1:57
